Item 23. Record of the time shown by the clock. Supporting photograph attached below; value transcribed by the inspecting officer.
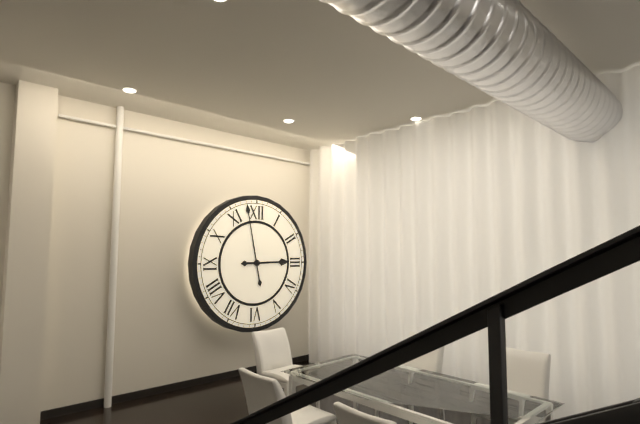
2:58
